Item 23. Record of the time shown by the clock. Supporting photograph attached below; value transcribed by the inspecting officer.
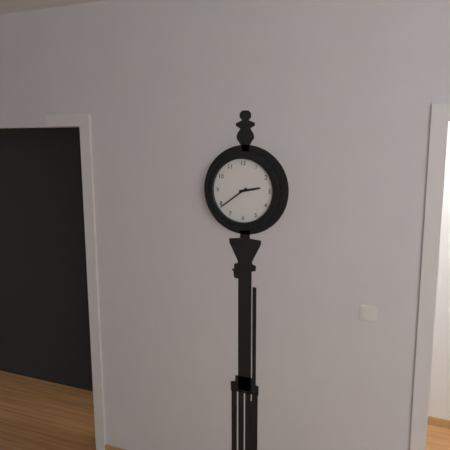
2:39
